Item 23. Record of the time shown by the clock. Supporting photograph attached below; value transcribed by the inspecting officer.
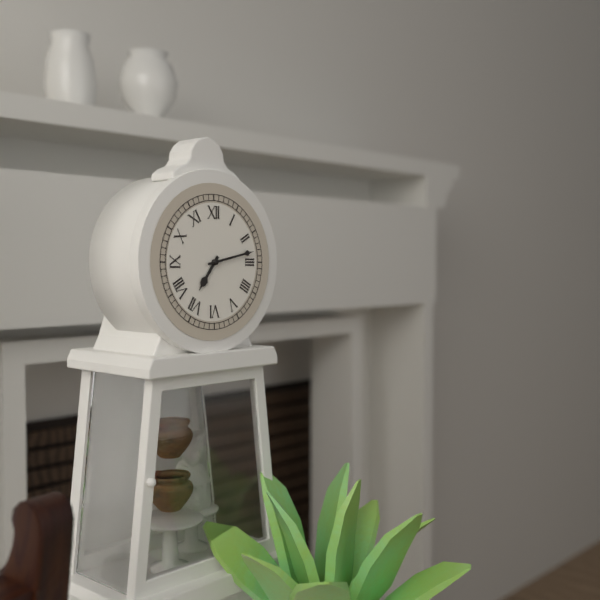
7:13
